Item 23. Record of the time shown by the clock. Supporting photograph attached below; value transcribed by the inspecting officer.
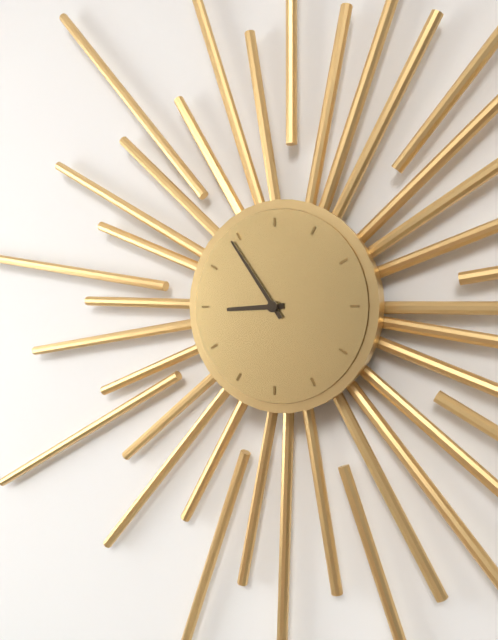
8:54
